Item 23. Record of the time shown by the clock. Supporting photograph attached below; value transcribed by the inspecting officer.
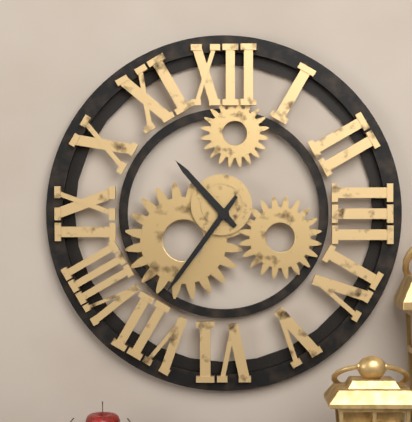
10:36
